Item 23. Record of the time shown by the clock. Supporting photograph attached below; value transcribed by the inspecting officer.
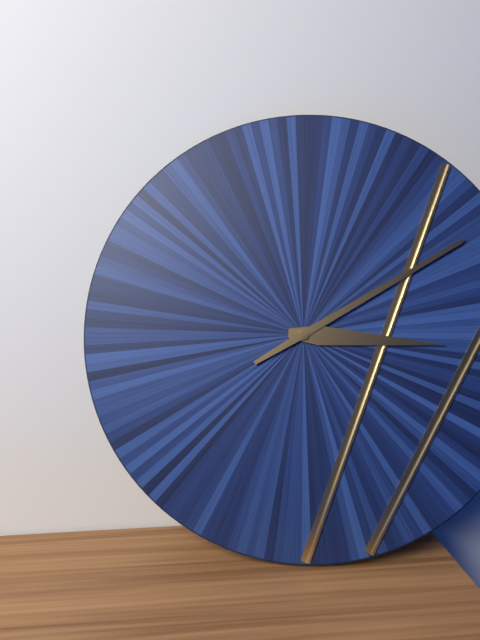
3:10
